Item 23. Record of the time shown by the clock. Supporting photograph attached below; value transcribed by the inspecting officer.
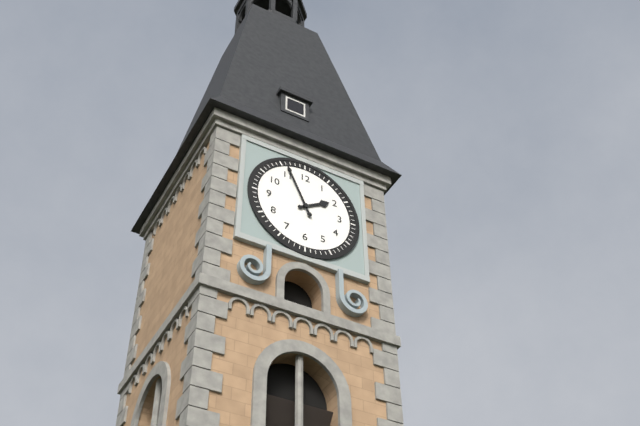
1:56
